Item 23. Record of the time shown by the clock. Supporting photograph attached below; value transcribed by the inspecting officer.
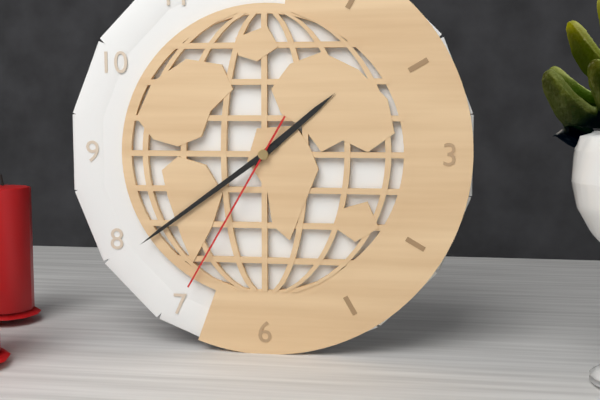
1:39:35
